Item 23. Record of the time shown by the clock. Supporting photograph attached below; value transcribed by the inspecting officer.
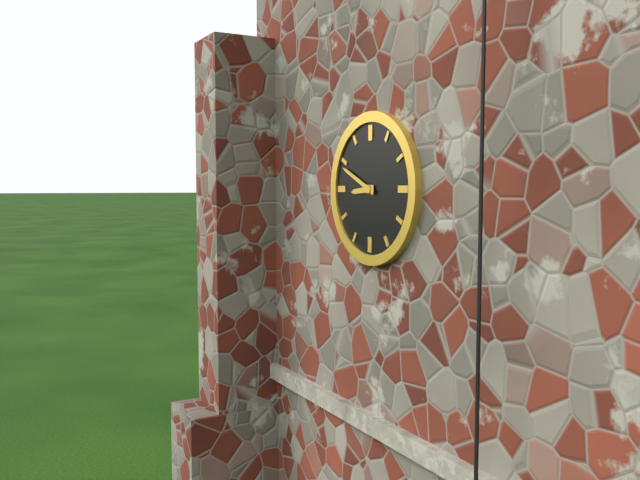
8:49
